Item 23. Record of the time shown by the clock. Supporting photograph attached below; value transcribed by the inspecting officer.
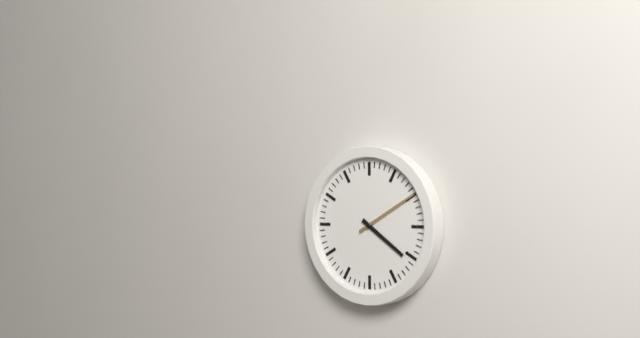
4:10
